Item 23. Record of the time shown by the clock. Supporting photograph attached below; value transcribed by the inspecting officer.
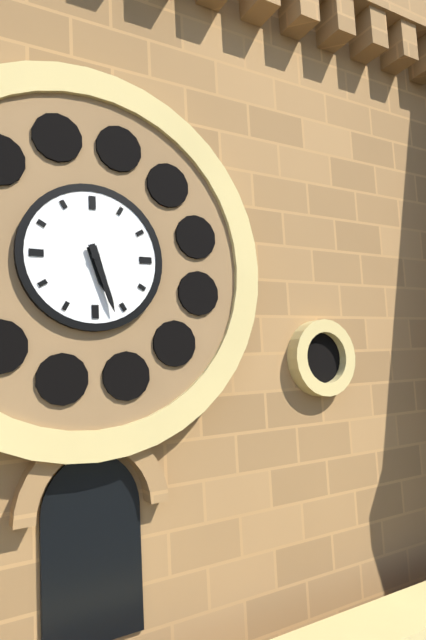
5:27
